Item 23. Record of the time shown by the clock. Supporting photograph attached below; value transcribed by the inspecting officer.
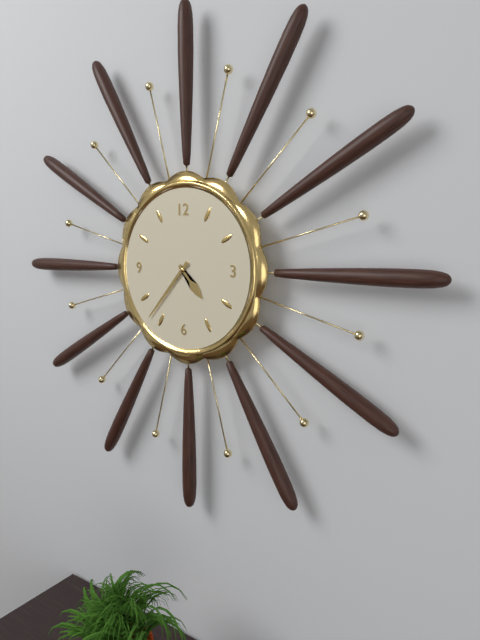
4:37
